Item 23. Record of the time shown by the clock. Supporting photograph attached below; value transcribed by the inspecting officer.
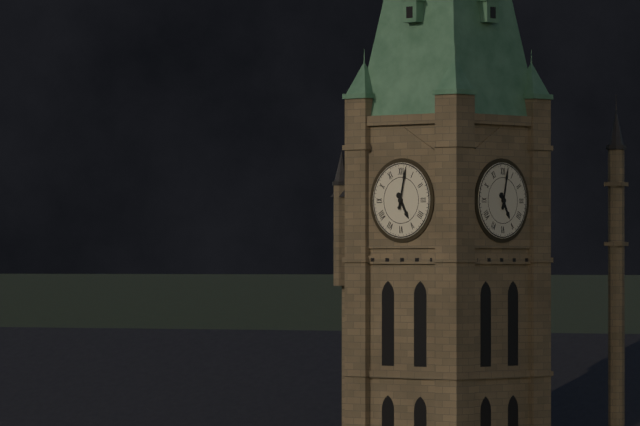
5:02
